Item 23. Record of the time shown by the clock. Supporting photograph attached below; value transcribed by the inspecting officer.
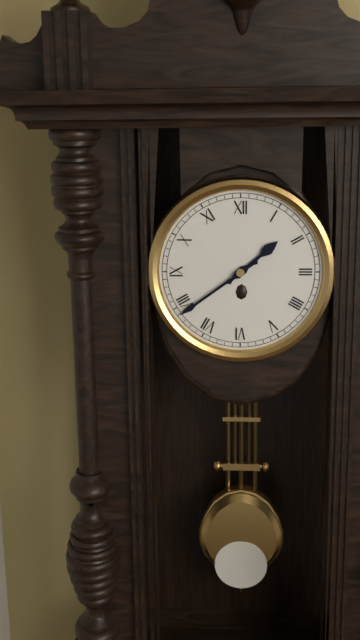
1:39
